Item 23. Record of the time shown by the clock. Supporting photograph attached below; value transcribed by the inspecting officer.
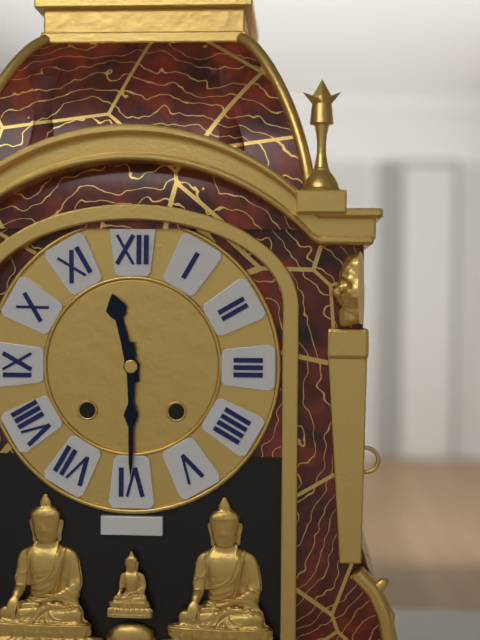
11:30
